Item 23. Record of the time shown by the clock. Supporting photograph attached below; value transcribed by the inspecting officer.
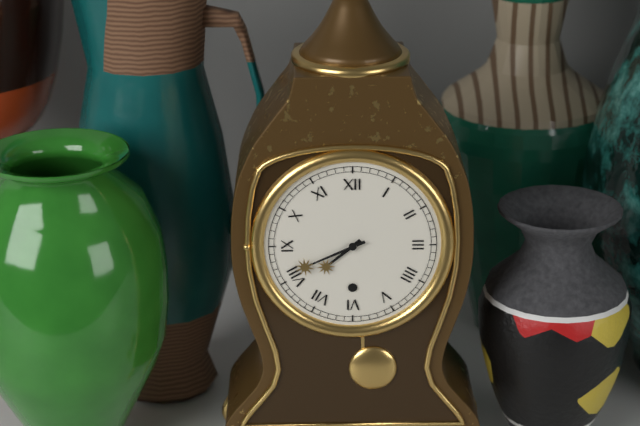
7:41
